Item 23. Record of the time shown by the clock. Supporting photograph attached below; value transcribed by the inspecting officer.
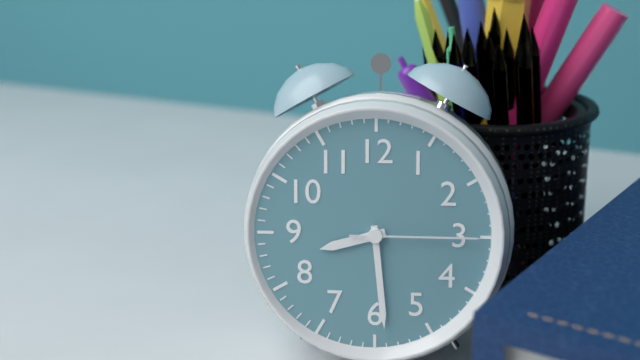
8:29:15
